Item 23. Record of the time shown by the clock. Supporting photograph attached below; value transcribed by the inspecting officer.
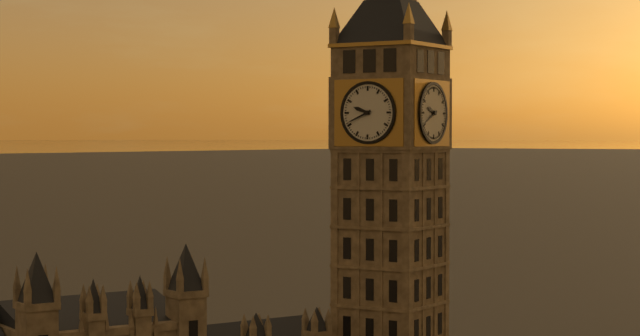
9:41
